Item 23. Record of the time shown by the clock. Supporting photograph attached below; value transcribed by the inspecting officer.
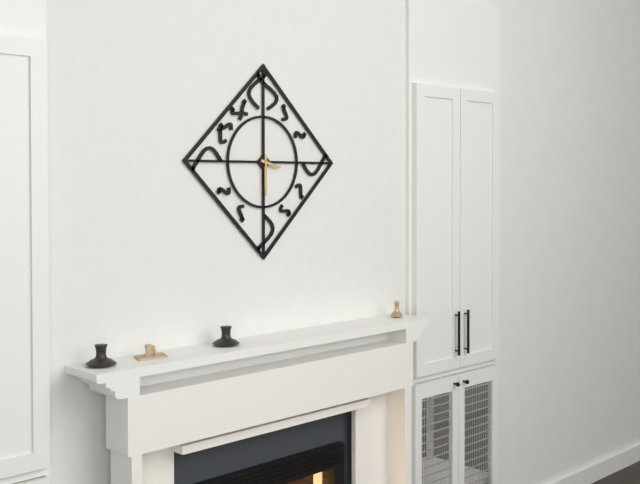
3:30
